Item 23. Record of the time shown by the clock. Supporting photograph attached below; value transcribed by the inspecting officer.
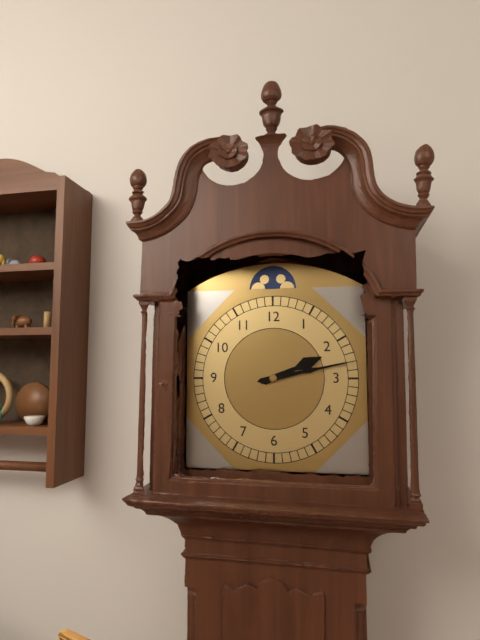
2:13
